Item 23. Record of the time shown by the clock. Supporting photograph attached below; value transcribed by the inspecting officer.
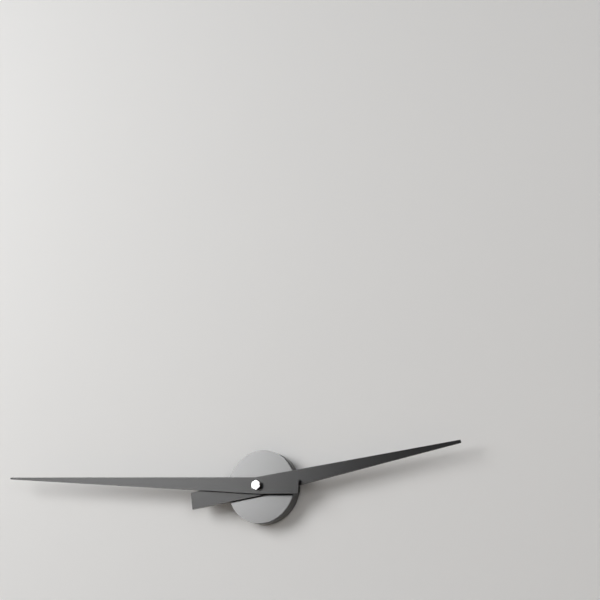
2:46
